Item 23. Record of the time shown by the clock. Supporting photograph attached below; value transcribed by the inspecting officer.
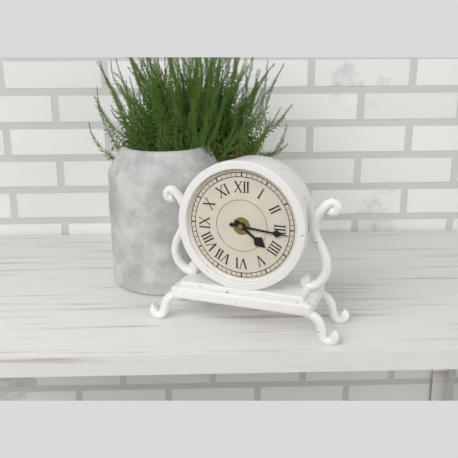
4:16
